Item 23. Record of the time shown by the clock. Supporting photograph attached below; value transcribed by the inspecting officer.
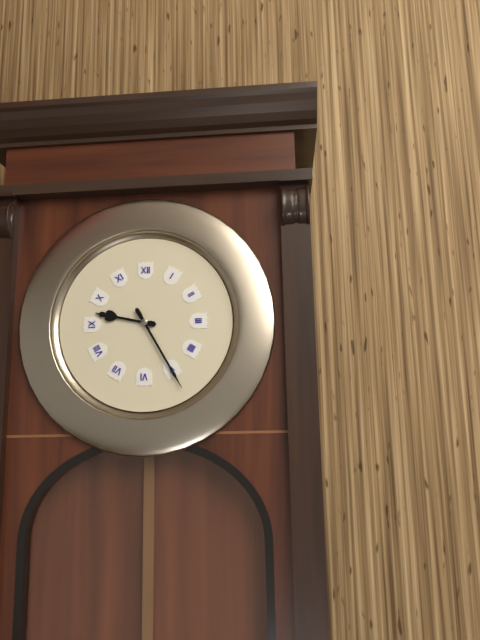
9:25
